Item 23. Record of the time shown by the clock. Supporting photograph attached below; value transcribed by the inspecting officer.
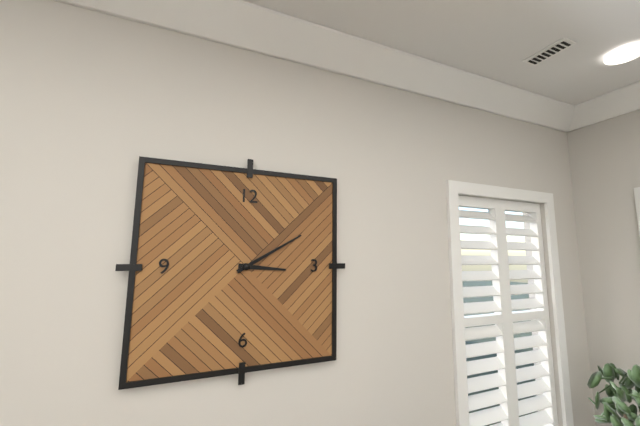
3:10
